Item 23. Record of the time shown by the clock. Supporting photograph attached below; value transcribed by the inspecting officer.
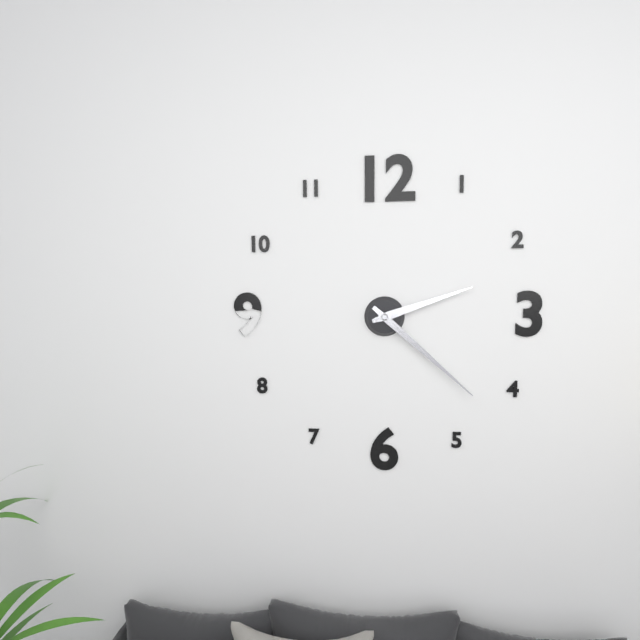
2:22
